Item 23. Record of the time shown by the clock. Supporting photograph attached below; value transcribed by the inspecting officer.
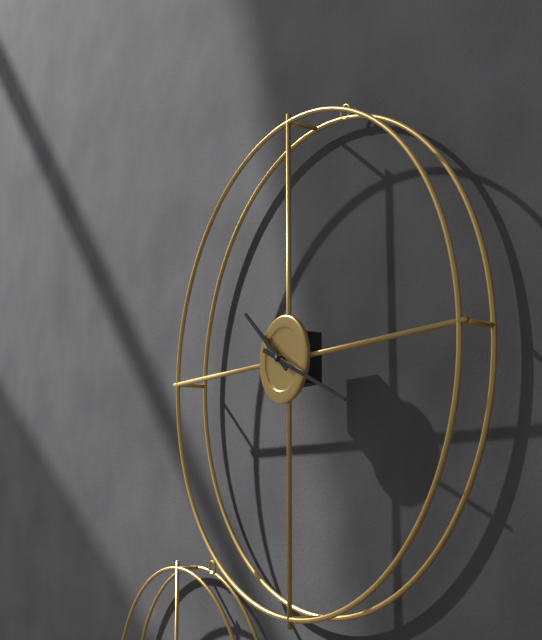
10:19
